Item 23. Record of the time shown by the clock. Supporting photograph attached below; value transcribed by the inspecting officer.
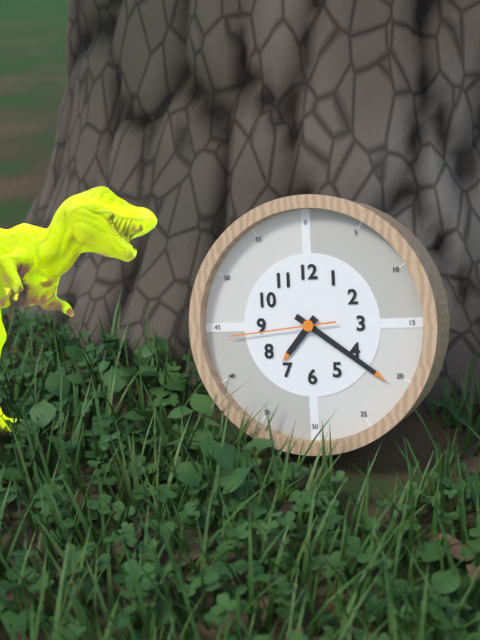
7:21:44
